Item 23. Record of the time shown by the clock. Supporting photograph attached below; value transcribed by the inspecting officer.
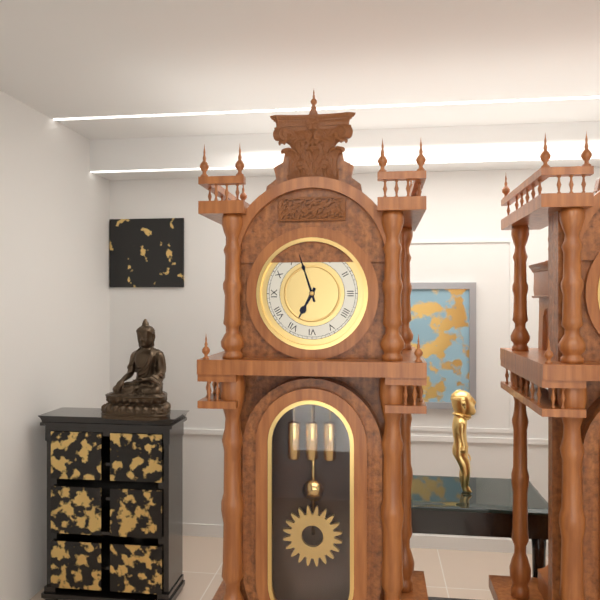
6:57
